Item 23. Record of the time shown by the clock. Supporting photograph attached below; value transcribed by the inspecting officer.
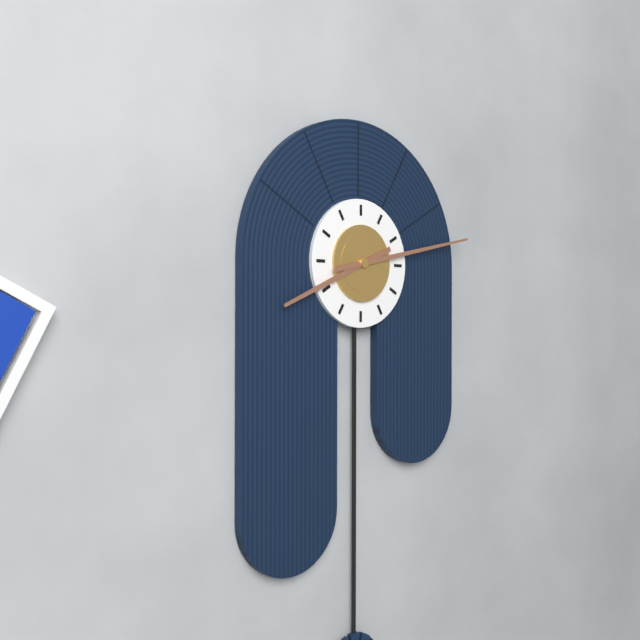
8:13
